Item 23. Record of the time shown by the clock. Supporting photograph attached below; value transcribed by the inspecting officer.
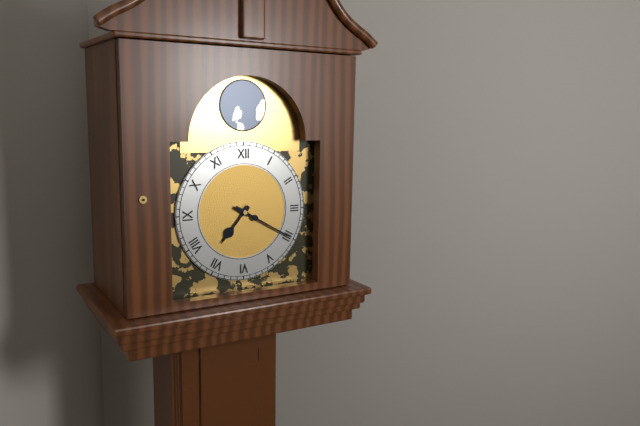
7:20
